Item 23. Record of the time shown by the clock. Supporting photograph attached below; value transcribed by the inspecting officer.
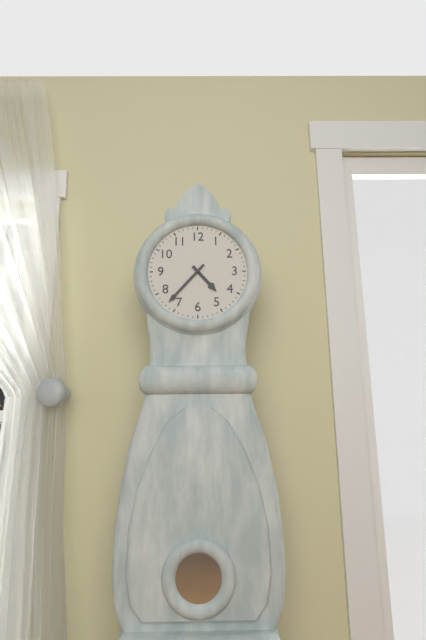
4:37
